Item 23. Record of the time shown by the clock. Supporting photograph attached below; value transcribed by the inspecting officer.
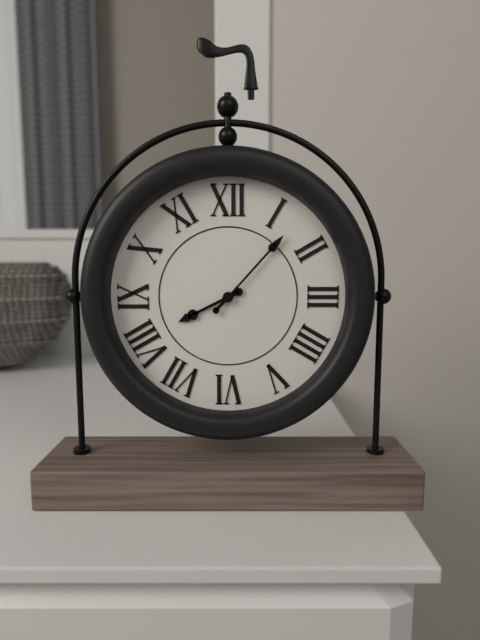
8:07
